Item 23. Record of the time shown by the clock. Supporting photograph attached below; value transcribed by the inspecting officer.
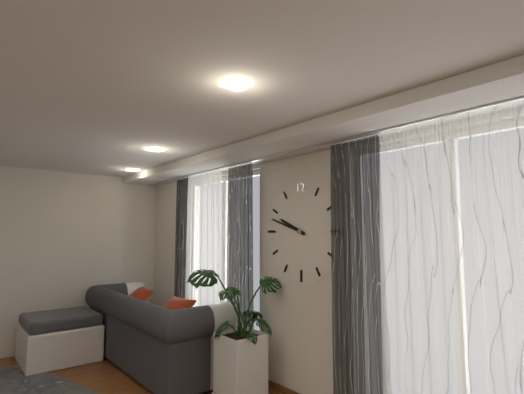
9:48
